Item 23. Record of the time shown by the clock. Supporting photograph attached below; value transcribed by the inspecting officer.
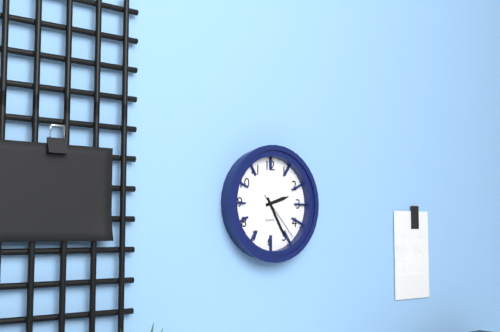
2:25:23
